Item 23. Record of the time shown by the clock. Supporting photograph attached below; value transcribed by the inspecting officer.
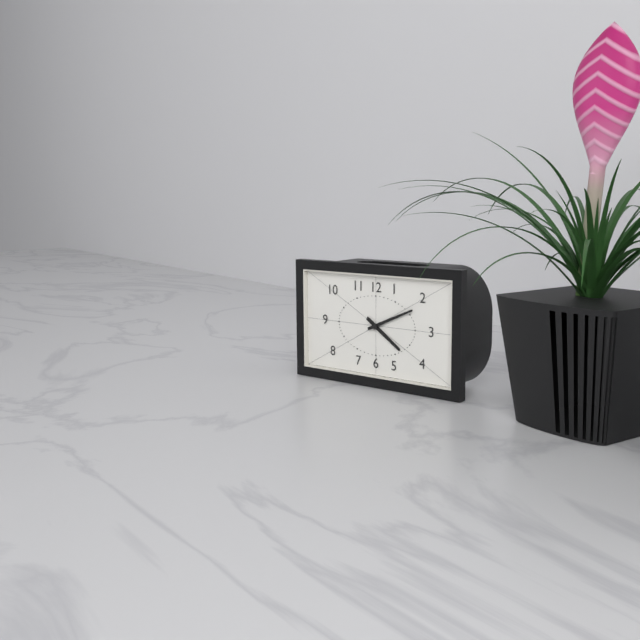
4:11
